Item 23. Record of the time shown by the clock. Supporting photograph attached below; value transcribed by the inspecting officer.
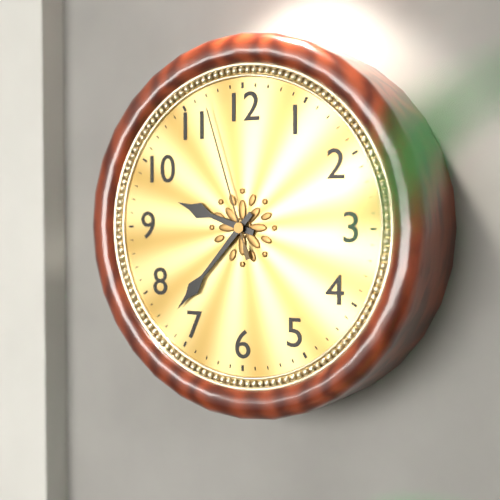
9:37:57
